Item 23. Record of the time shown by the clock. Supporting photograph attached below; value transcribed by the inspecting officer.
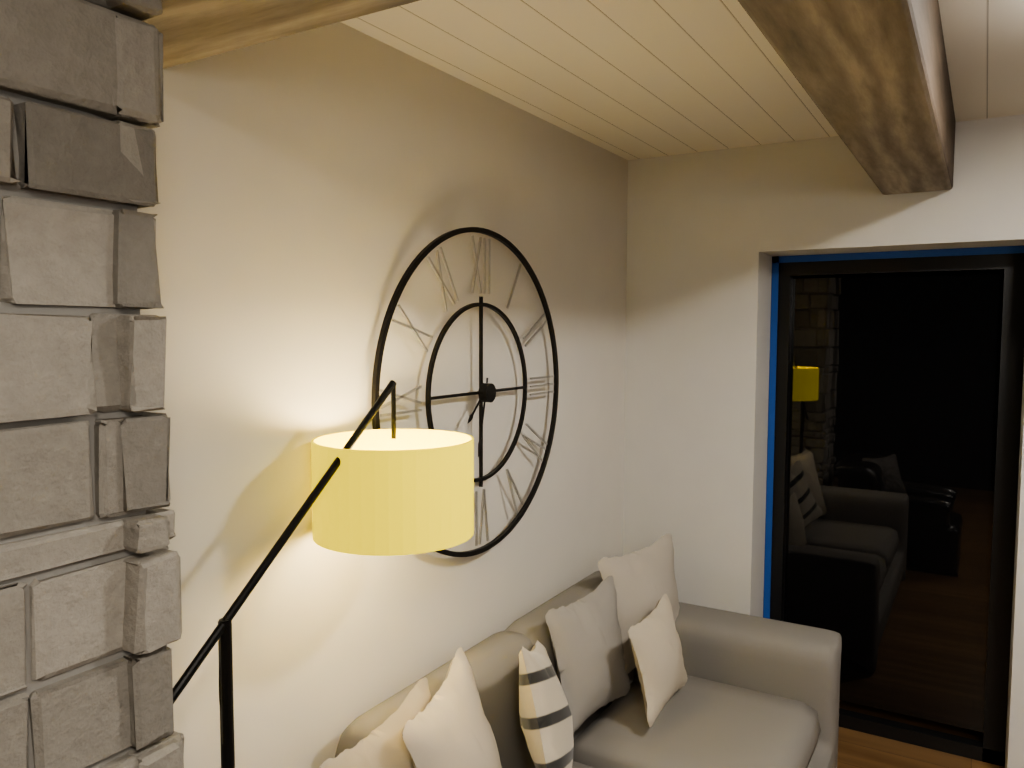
7:32
